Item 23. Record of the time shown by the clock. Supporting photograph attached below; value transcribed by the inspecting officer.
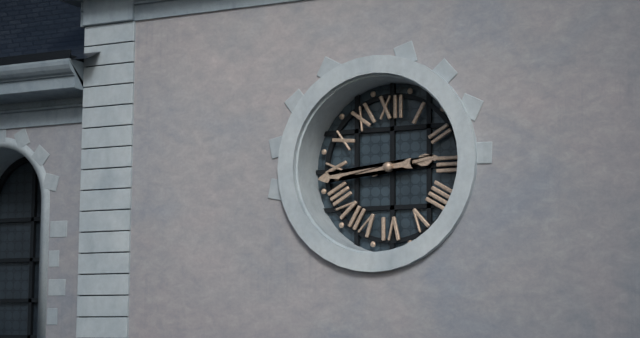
2:44
